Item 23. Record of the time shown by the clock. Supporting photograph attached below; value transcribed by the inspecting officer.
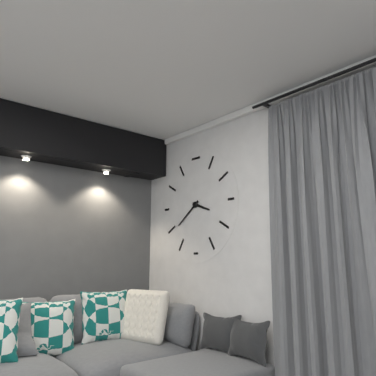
3:39
